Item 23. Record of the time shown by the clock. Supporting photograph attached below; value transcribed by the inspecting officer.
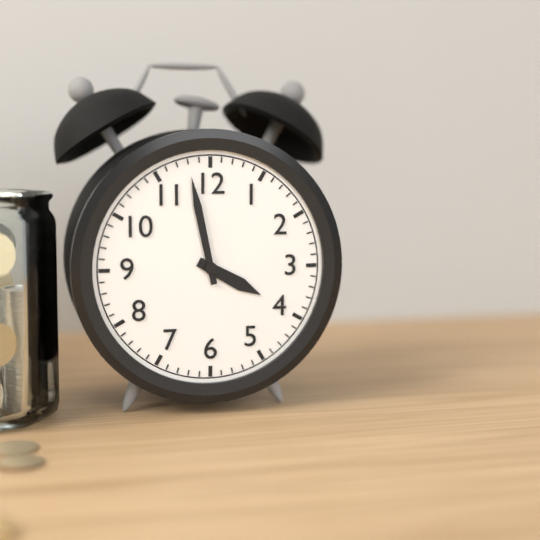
3:58
